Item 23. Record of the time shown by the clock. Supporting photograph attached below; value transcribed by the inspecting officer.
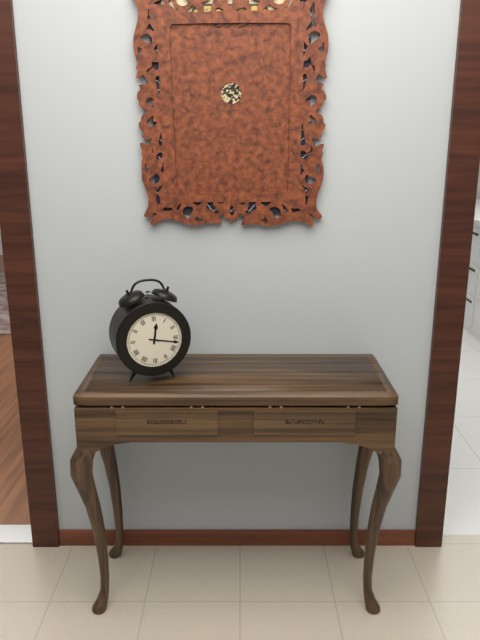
12:17
